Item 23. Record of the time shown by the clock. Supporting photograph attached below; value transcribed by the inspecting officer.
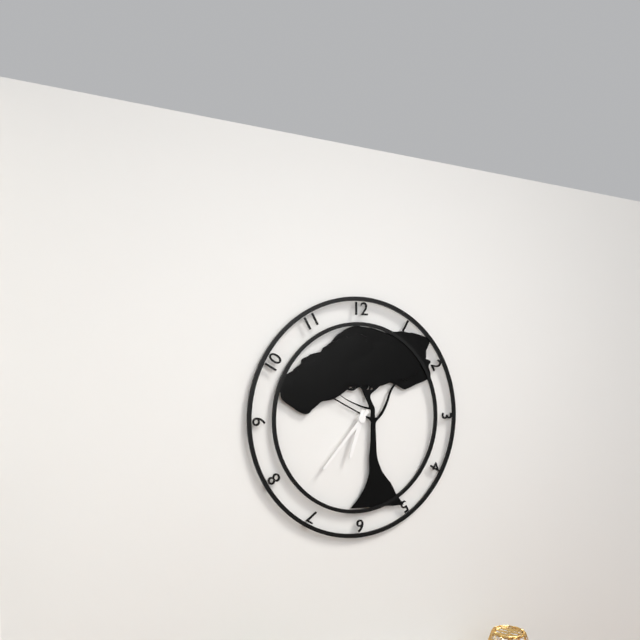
6:37
